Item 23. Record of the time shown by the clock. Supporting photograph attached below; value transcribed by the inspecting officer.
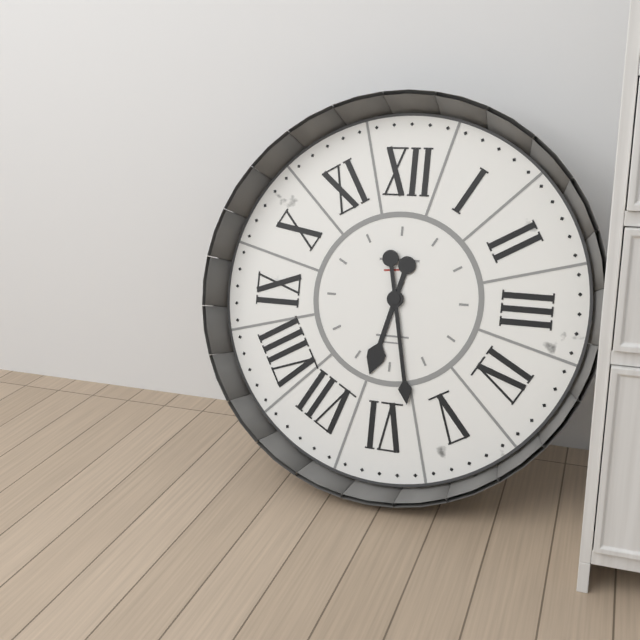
6:28
